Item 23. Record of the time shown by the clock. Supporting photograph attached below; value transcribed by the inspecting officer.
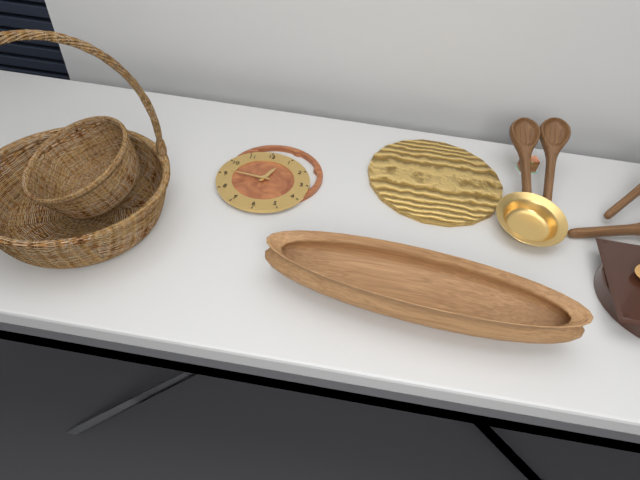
12:46
